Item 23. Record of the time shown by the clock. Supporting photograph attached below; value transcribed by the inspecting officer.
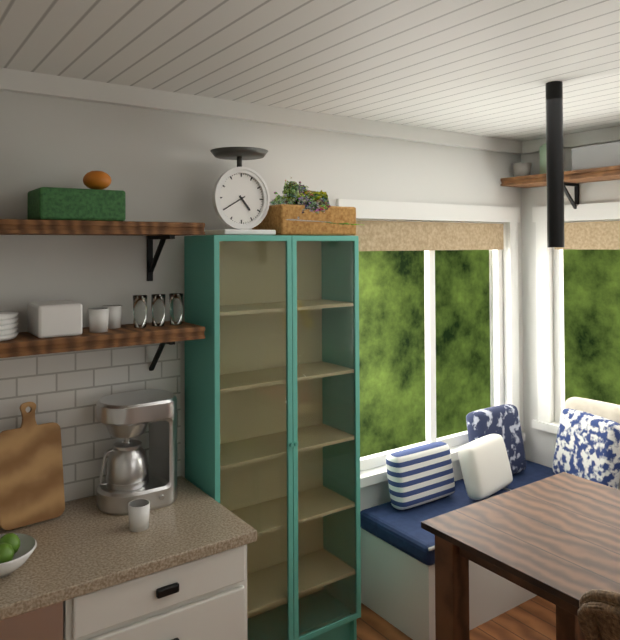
4:40
